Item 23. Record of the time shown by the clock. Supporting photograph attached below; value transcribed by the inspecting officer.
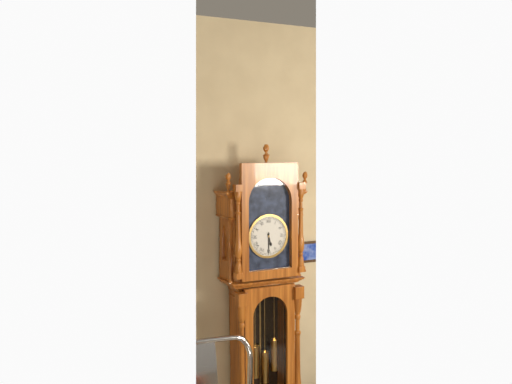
5:30
